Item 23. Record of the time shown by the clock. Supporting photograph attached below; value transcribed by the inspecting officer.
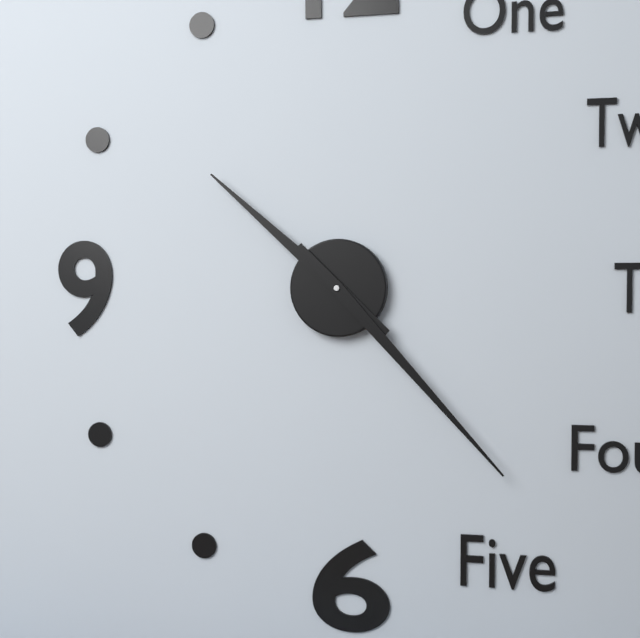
10:23
